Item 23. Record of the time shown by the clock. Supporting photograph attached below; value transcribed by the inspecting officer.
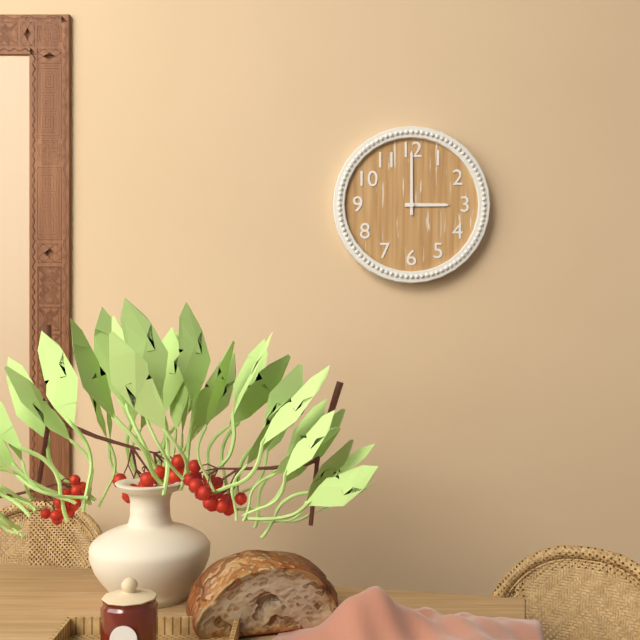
3:00
